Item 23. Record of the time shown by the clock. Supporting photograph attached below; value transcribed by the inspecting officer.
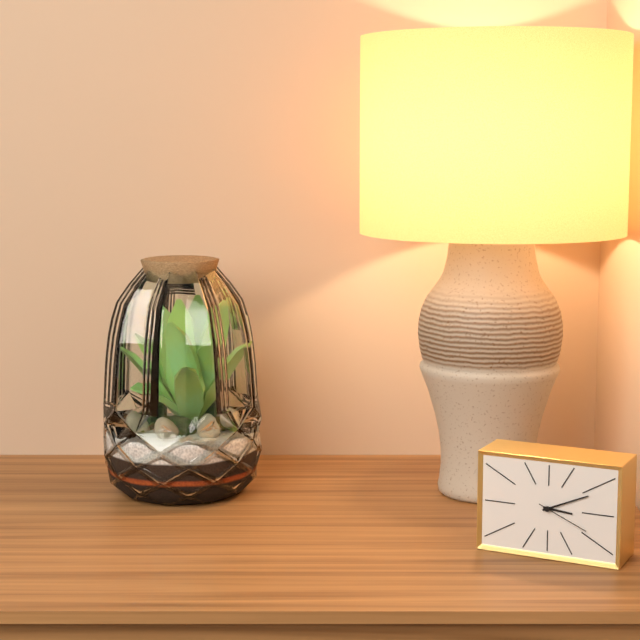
3:11:19
